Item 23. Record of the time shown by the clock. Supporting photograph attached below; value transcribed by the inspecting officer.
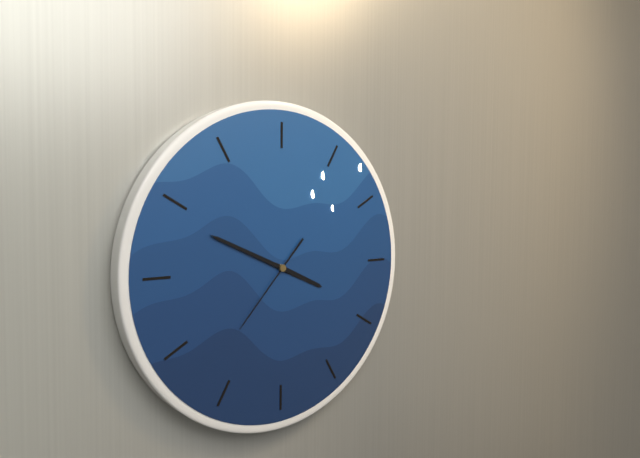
3:49:37
